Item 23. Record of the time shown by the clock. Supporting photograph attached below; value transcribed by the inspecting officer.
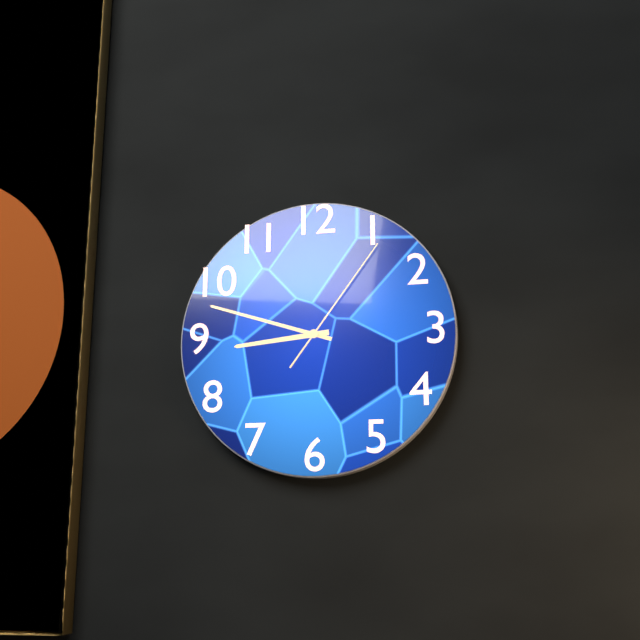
8:48:06
